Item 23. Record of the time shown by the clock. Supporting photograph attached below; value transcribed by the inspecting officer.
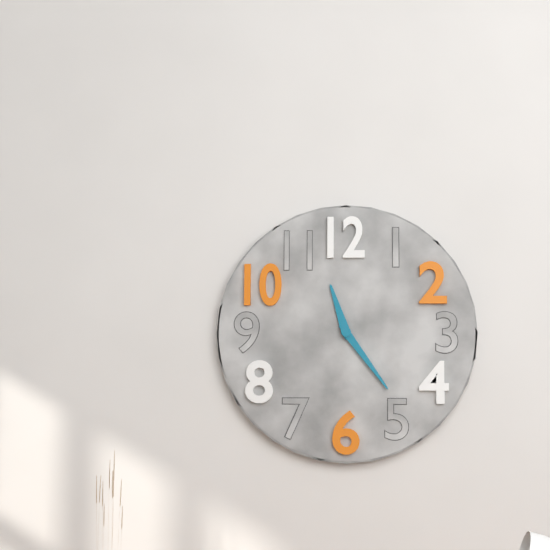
11:24
